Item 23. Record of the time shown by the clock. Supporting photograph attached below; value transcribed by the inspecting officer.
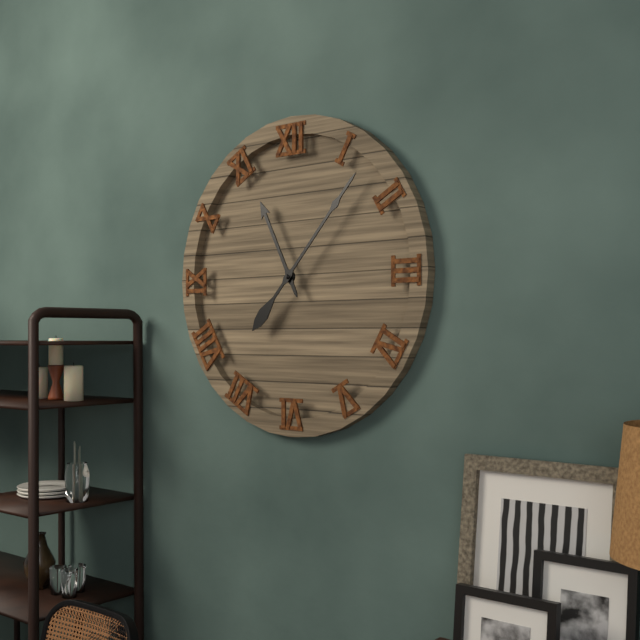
11:07
